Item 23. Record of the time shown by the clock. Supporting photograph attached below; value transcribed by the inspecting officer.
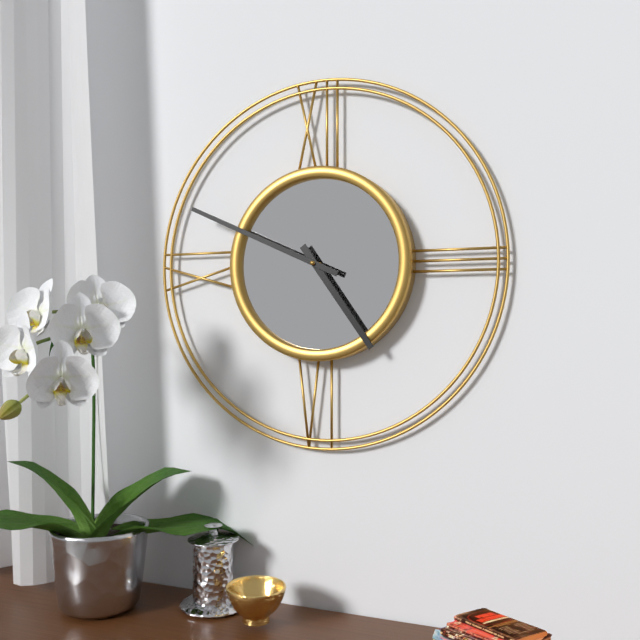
4:49
